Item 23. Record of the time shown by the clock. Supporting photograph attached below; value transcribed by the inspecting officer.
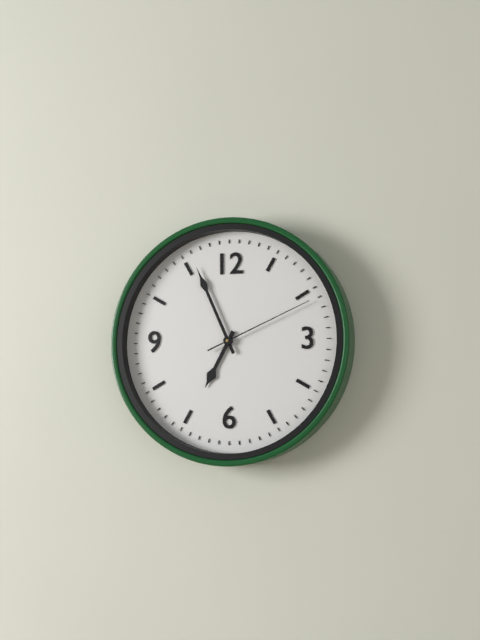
6:56:11
